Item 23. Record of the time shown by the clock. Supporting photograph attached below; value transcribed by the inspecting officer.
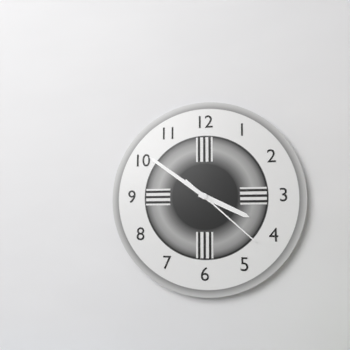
3:51:22
